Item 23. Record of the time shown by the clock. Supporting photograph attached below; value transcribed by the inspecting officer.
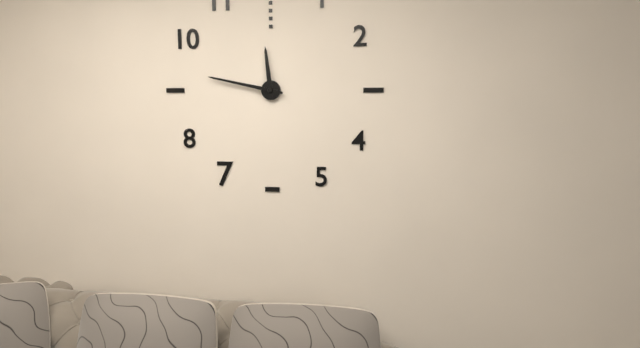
11:47
